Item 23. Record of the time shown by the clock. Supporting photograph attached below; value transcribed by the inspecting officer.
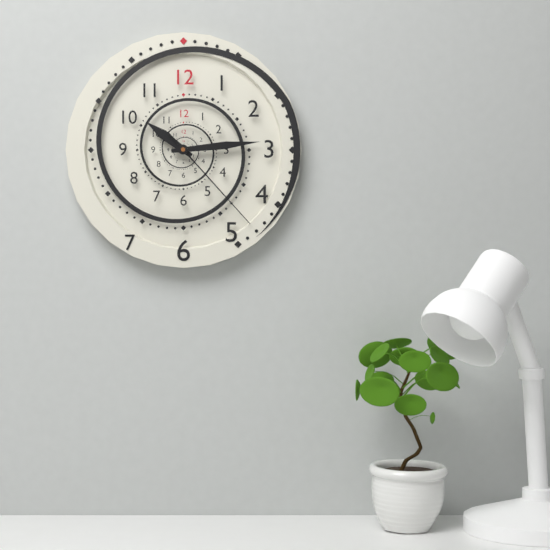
10:14:23
